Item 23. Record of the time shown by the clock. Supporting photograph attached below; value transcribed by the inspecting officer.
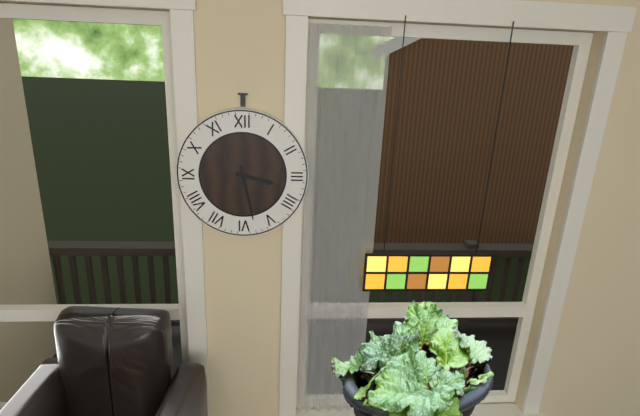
3:28
